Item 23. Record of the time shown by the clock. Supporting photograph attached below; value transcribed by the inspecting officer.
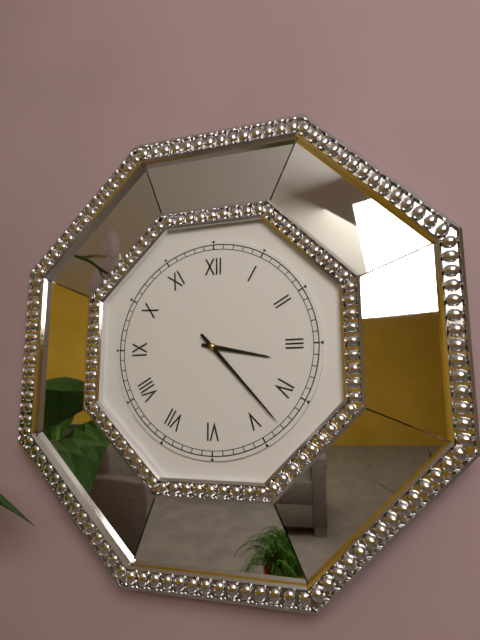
3:23
